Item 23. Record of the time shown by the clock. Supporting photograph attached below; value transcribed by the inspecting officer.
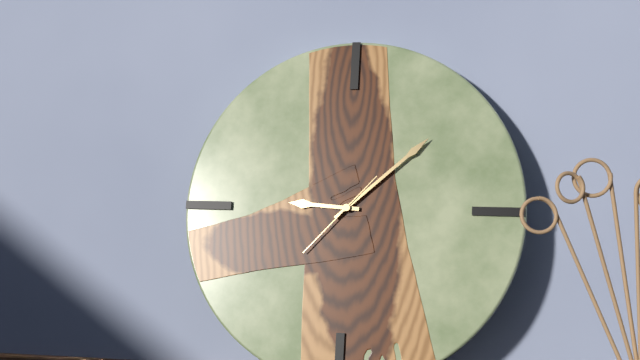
9:08:37
